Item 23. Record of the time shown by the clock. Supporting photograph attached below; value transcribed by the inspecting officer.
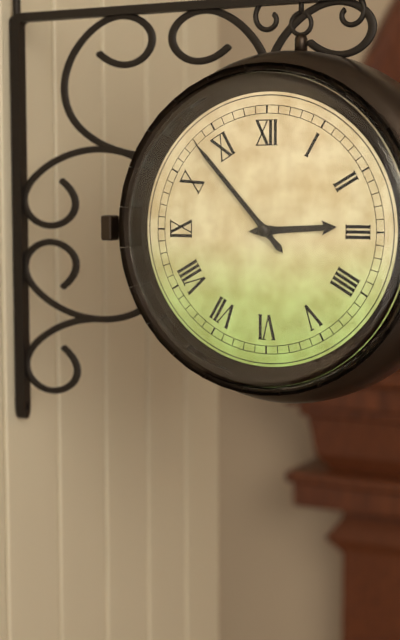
2:53
